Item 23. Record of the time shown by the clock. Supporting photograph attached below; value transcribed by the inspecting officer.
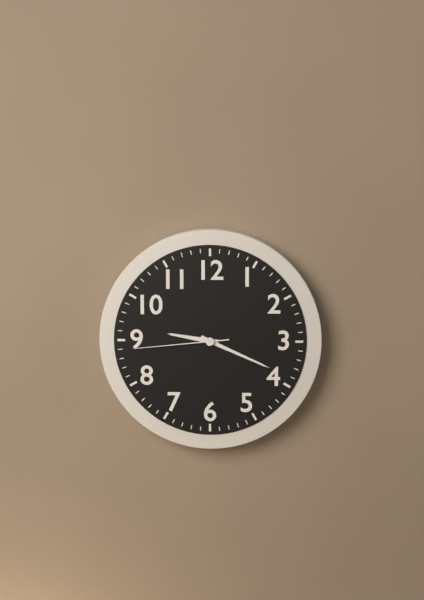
9:19:44
